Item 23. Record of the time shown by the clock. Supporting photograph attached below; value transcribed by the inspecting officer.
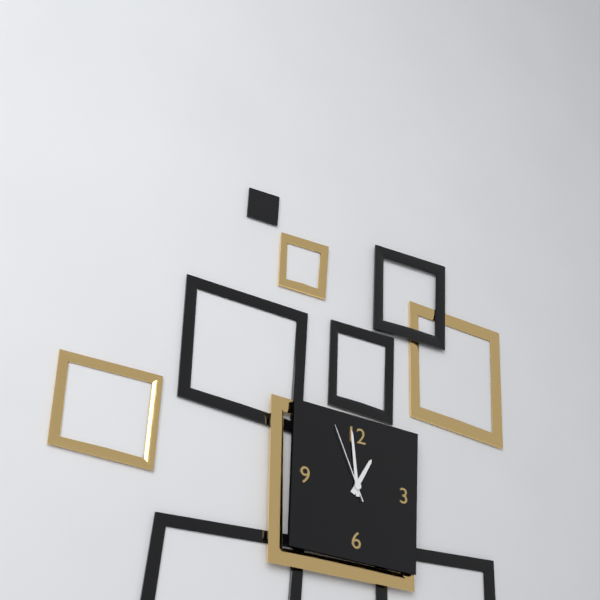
12:59:56
